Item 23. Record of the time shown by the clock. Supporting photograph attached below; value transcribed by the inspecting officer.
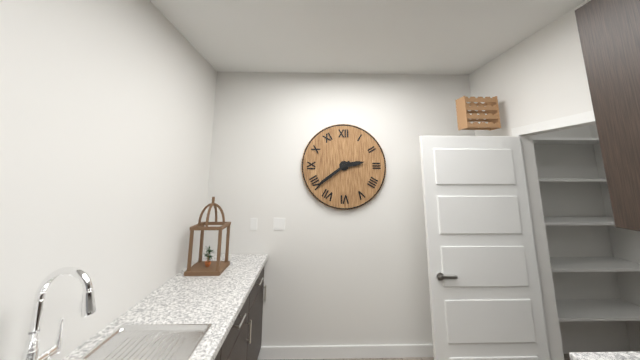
2:39
